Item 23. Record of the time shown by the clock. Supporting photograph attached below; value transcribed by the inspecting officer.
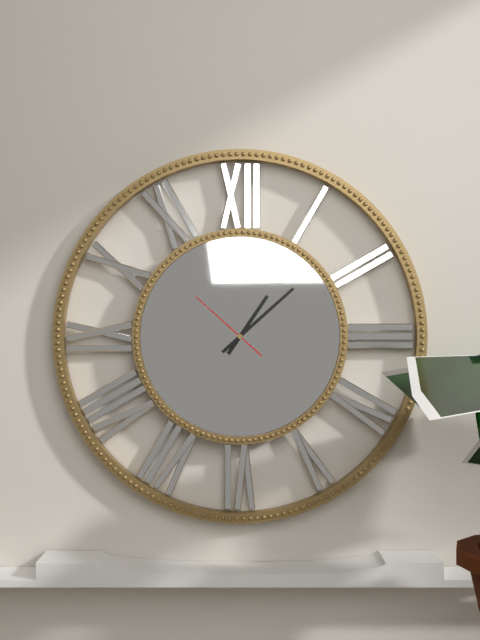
1:08:52
